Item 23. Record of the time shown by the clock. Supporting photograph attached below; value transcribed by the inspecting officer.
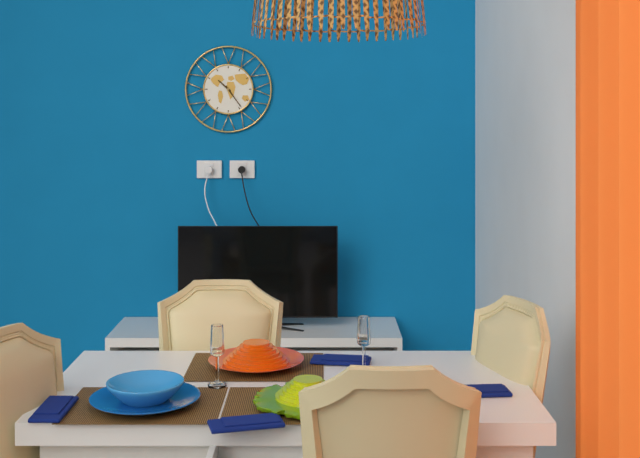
10:24
